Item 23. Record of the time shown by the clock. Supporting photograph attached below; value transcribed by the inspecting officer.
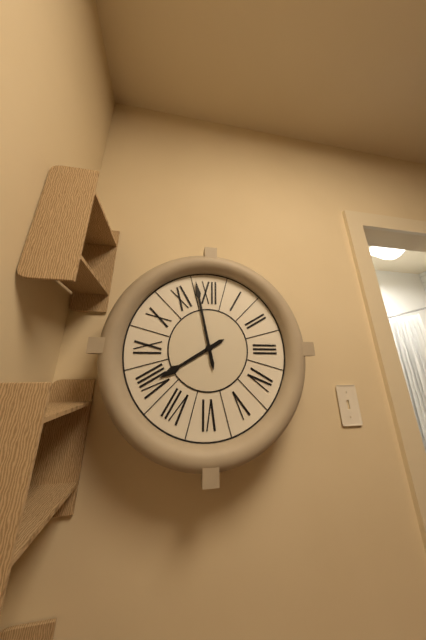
7:58
